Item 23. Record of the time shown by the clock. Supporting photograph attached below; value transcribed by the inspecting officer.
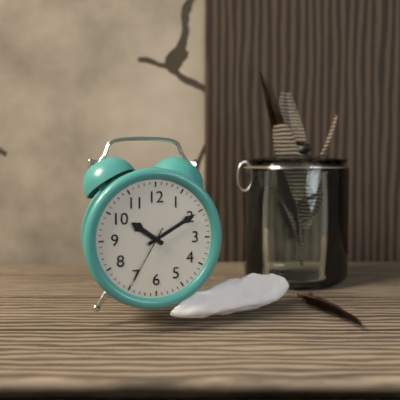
10:10:35
